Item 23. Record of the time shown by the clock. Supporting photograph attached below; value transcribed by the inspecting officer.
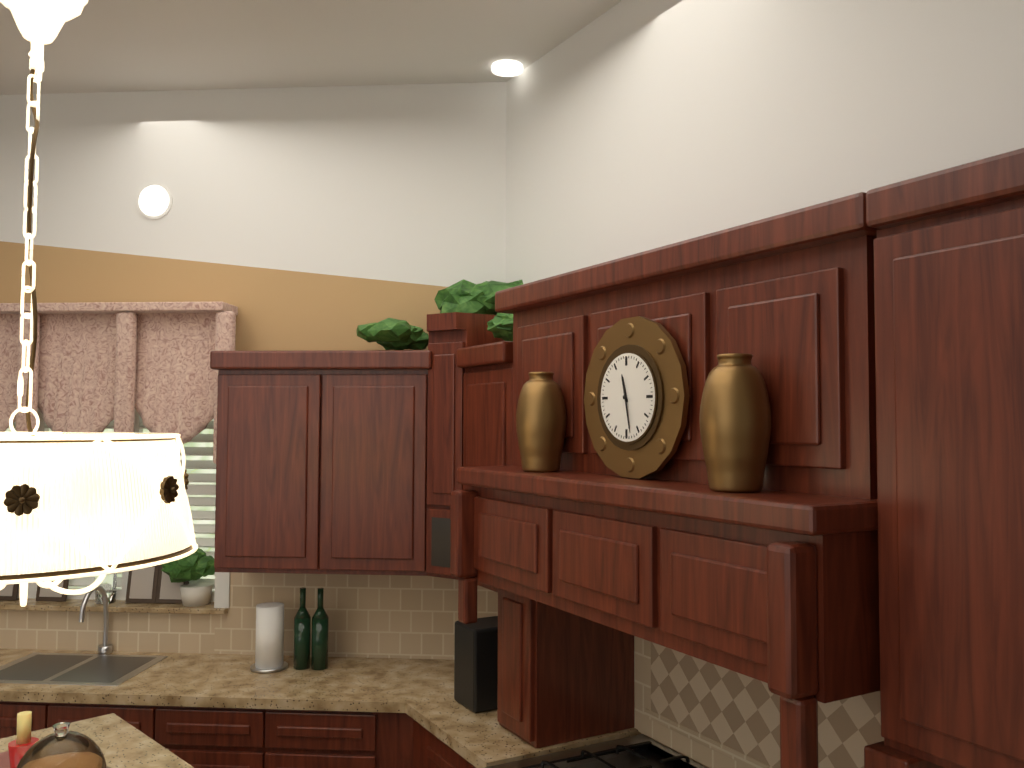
11:28
